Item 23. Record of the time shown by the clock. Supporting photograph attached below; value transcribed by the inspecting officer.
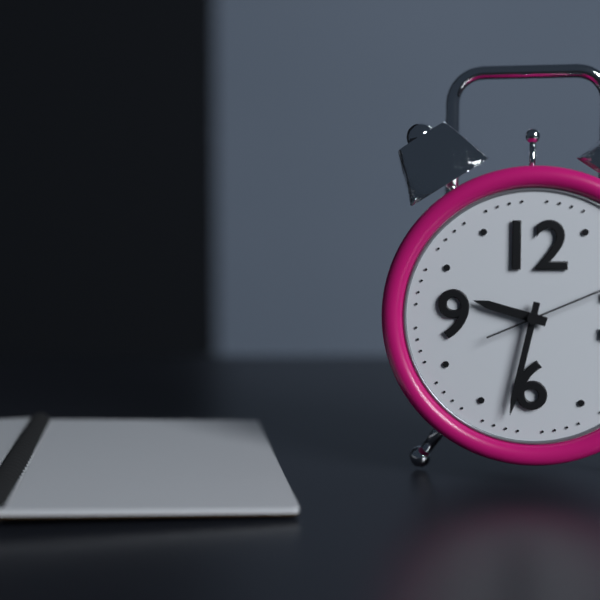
9:32
